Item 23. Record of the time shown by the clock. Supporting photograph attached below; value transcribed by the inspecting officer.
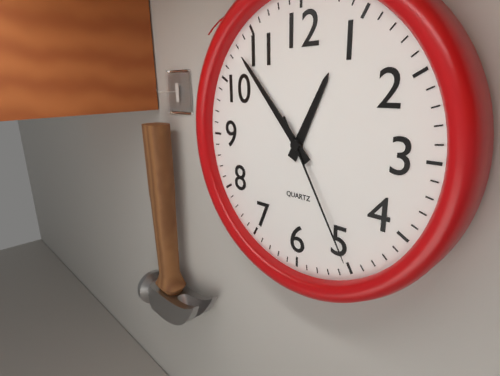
12:53:25
